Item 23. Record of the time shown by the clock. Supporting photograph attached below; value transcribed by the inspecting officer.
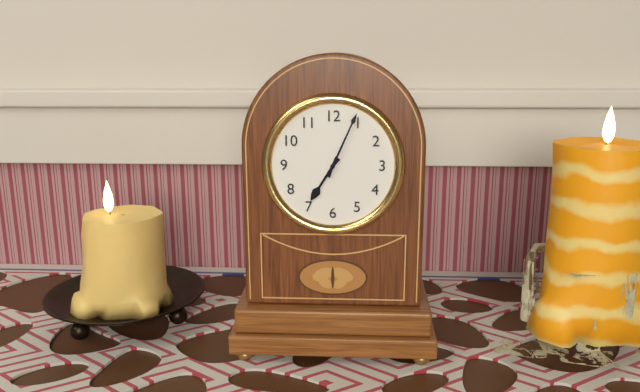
7:04
